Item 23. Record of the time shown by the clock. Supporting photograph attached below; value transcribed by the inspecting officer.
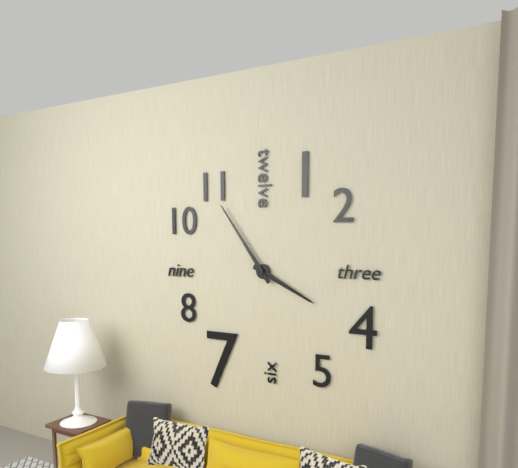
3:54
